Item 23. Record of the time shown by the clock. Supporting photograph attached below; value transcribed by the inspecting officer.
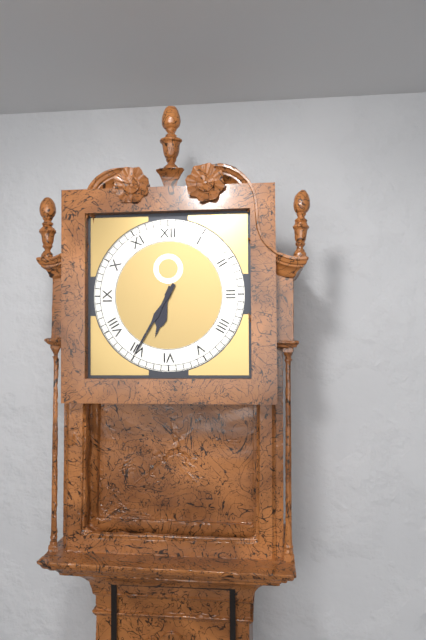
6:35
